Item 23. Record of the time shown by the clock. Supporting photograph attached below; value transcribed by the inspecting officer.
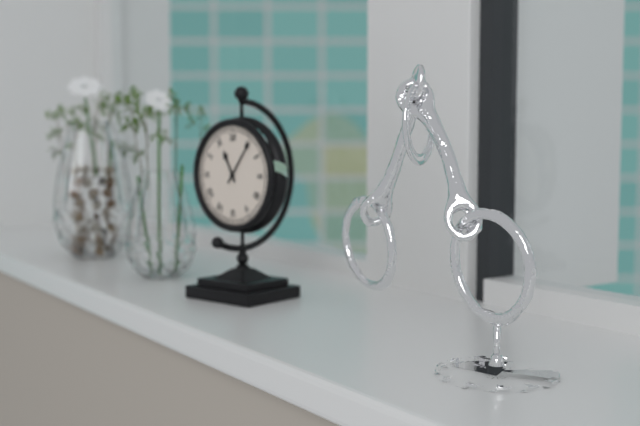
11:06
